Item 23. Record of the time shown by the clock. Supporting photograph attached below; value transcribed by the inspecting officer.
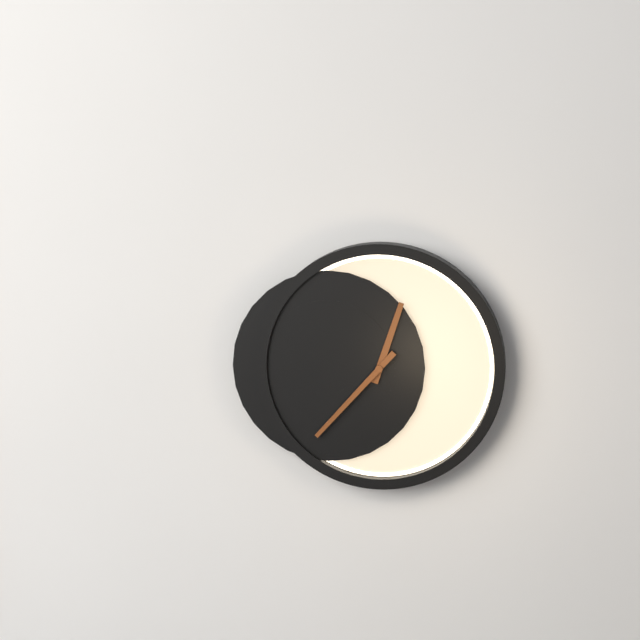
12:37
